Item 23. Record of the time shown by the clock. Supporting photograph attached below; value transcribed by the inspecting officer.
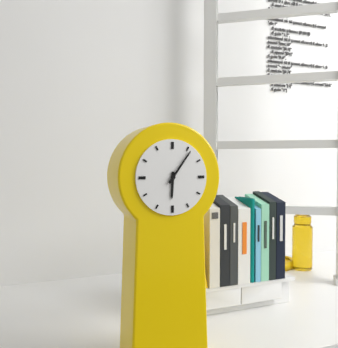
6:06
